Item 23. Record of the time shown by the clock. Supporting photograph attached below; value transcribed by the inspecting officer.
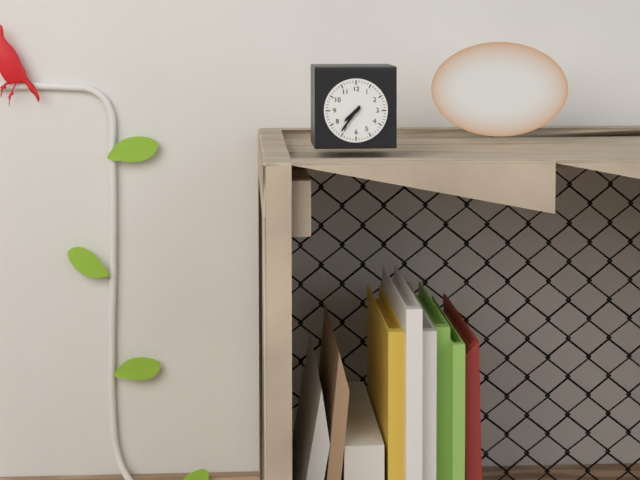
7:36
